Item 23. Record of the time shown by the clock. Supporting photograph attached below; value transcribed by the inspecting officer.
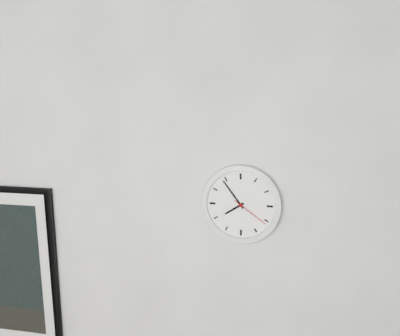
7:54
